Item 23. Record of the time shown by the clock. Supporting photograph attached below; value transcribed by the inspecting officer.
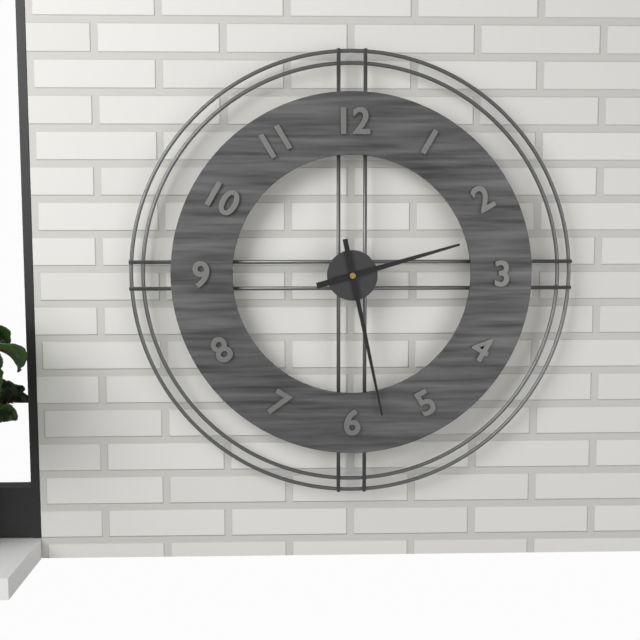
2:28
